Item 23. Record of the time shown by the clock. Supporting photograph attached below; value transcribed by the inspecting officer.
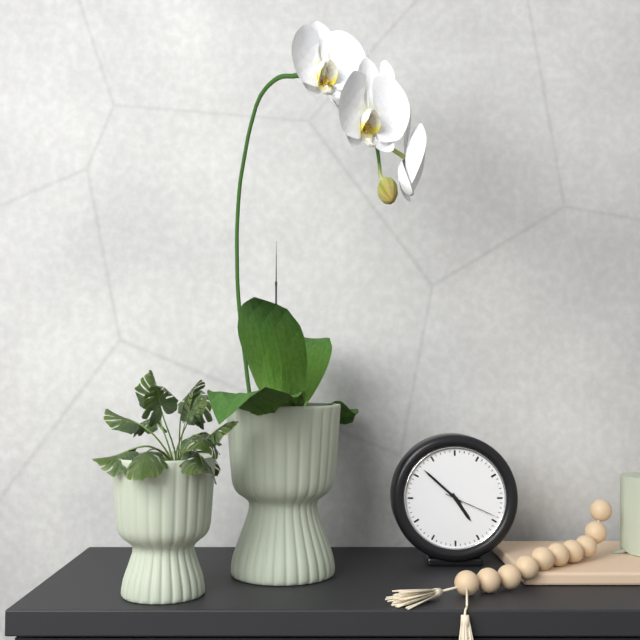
4:52:19
